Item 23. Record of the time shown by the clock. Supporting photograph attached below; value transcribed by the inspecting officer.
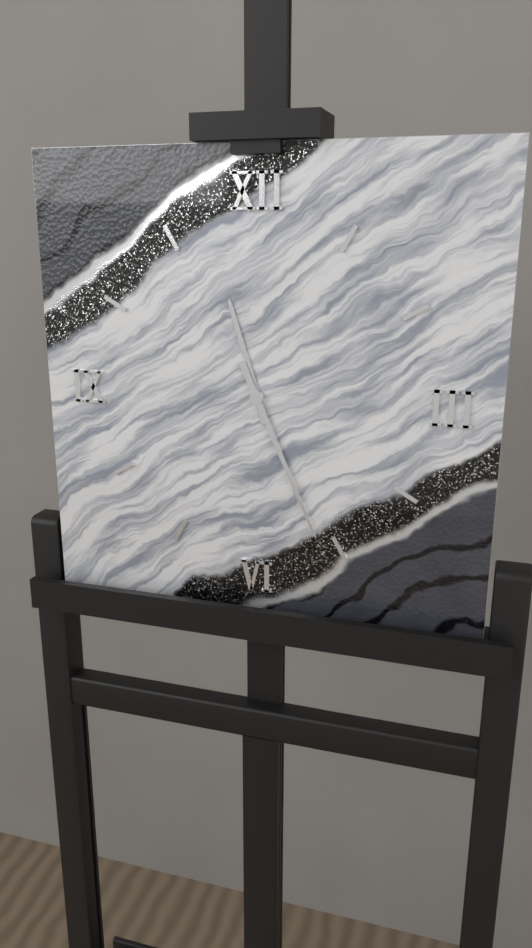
11:26
